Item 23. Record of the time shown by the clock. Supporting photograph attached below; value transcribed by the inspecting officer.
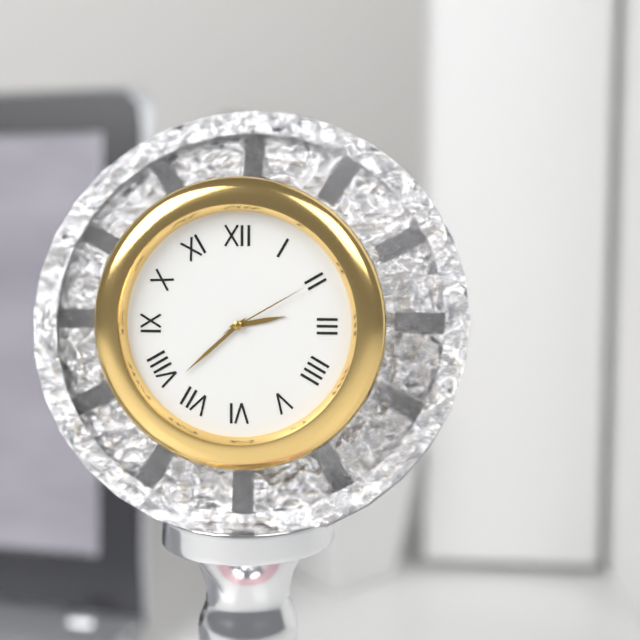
2:38:10
